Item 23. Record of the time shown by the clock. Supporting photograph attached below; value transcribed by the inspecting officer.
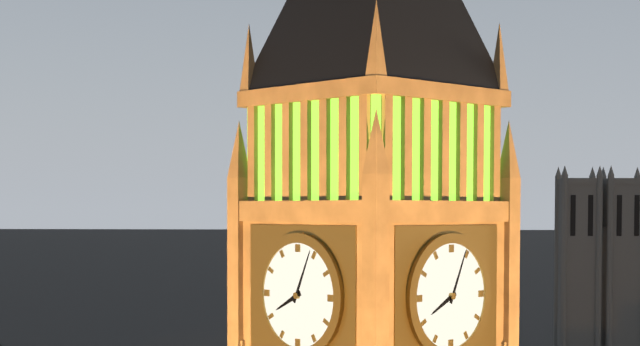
8:04
